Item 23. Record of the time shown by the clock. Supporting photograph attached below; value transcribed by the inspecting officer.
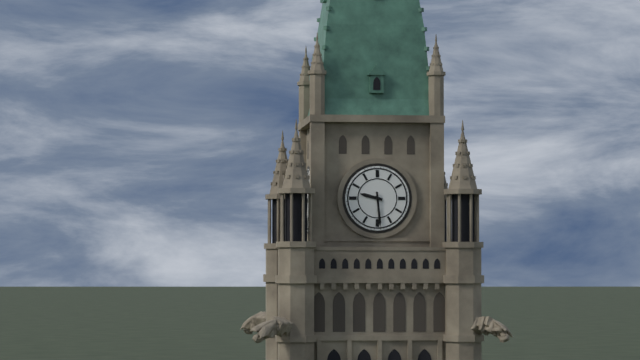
9:29
